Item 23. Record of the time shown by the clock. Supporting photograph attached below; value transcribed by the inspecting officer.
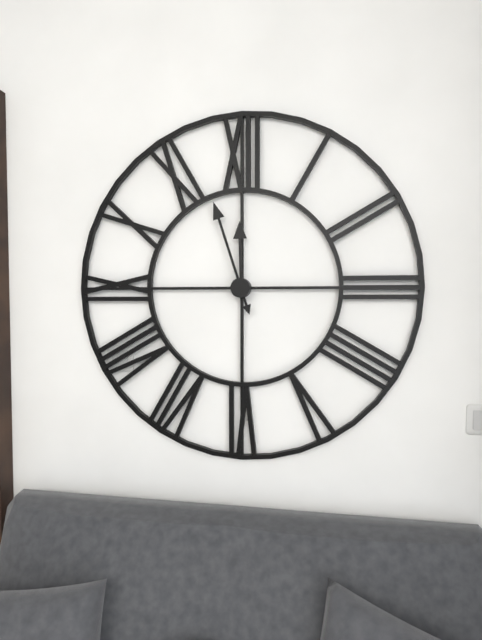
11:57
